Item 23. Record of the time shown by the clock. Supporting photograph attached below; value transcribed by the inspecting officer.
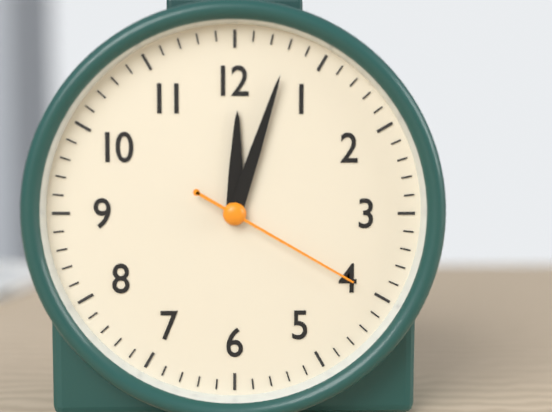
12:03:20
